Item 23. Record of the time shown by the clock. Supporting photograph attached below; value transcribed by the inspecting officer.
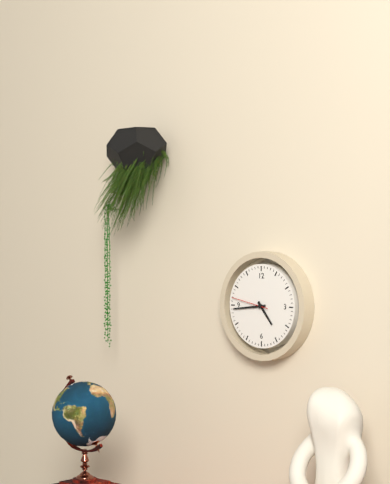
4:44
